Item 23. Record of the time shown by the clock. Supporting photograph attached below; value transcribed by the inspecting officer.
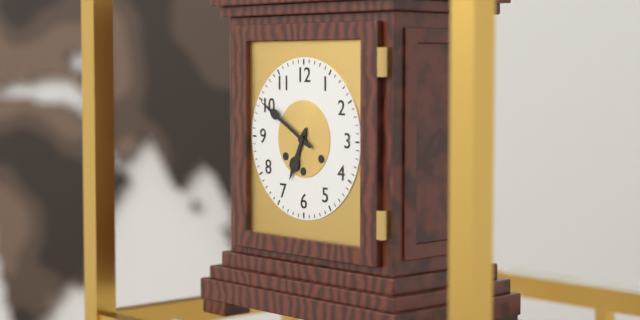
6:50
